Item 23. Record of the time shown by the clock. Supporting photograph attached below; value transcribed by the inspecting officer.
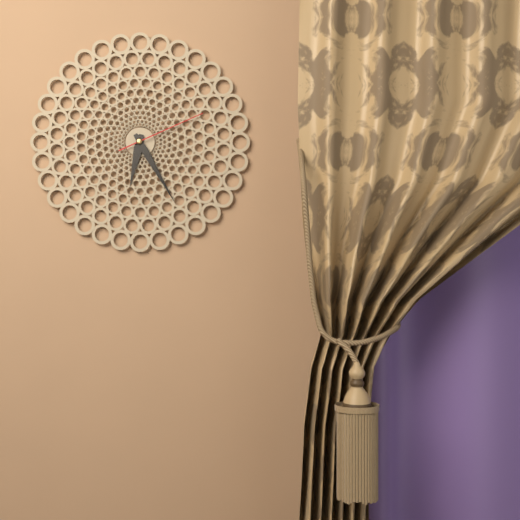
6:25:11
